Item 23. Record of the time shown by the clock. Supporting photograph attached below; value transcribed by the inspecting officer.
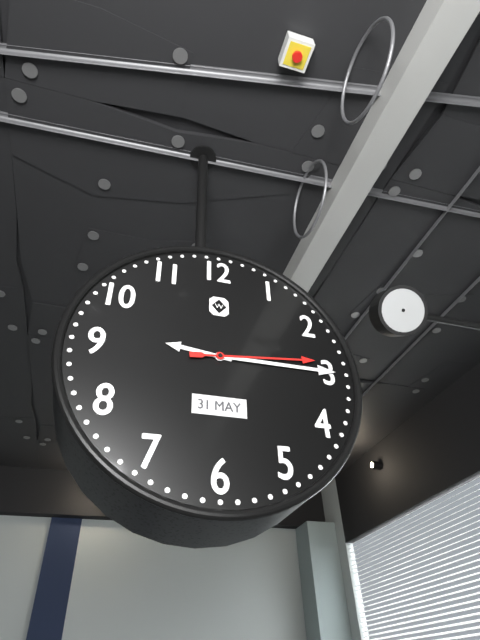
9:15:14
